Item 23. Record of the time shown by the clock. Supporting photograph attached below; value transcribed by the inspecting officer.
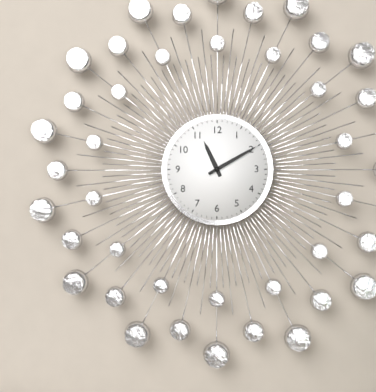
11:10
